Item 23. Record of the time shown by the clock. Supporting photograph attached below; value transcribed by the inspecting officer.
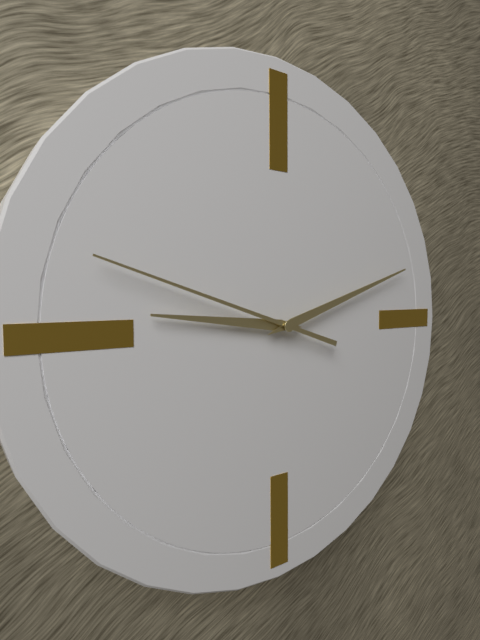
9:12:48
